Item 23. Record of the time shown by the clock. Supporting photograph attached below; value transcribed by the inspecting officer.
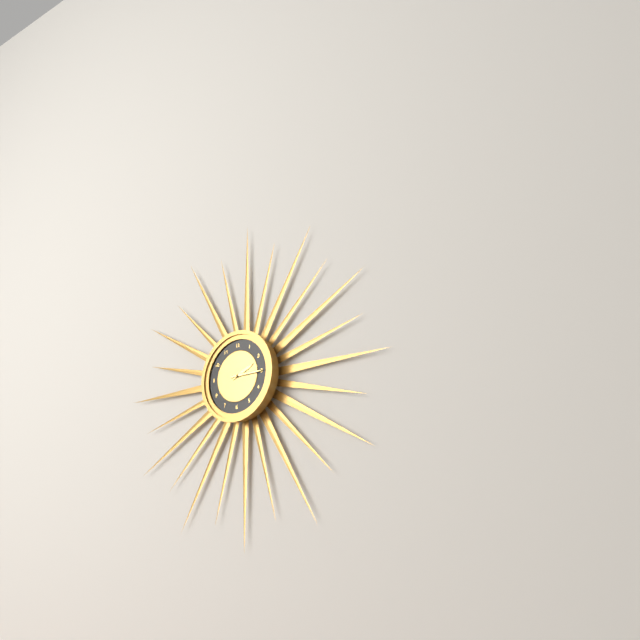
2:15
